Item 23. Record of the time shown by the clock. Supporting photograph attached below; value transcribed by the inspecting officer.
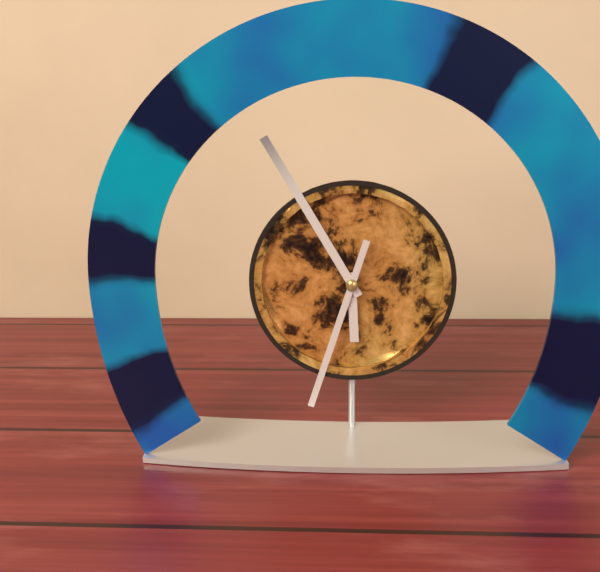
5:55:33
